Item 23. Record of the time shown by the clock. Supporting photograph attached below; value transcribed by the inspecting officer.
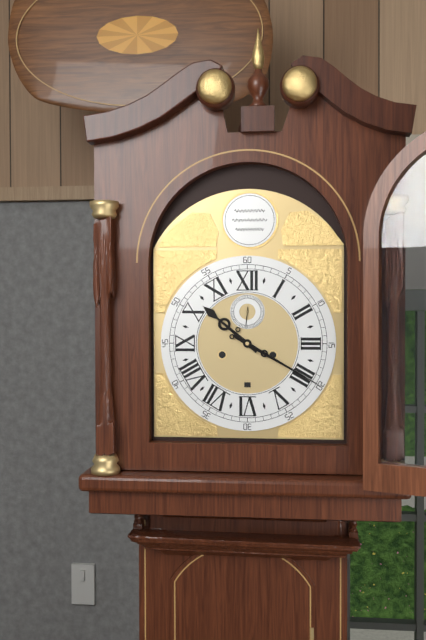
10:20
